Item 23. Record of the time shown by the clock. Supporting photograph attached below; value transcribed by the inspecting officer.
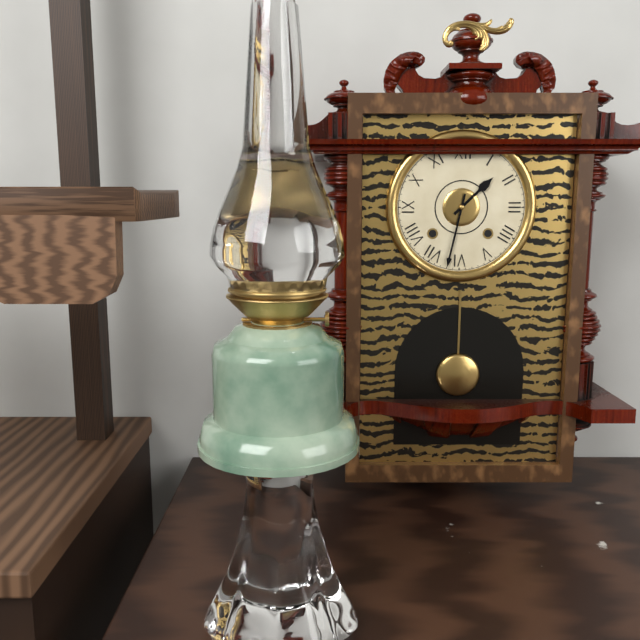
1:32
